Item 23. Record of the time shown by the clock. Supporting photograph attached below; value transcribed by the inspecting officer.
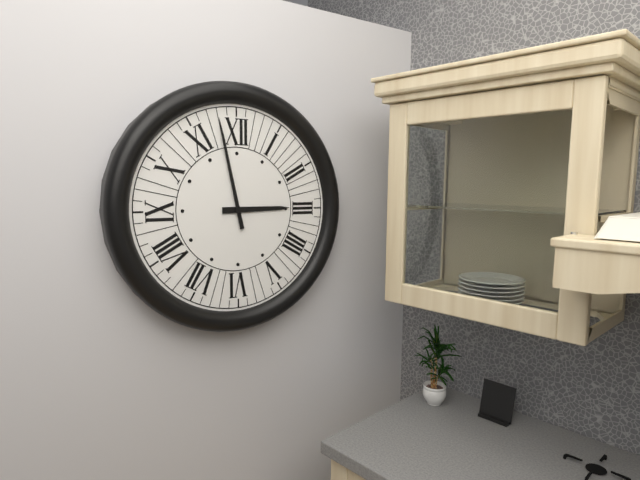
2:58
